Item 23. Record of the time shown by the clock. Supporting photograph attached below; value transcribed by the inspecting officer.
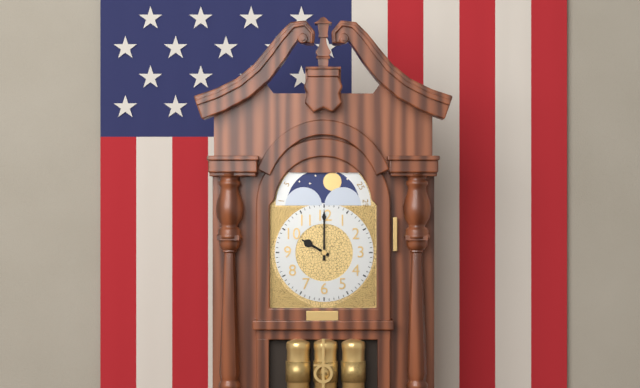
10:00
